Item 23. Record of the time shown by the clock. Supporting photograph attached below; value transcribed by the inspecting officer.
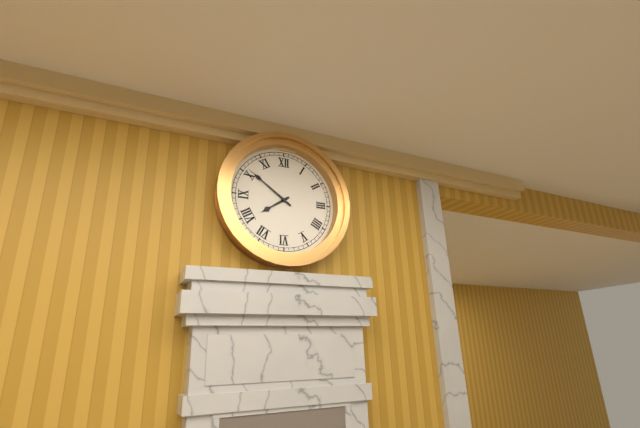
7:51
